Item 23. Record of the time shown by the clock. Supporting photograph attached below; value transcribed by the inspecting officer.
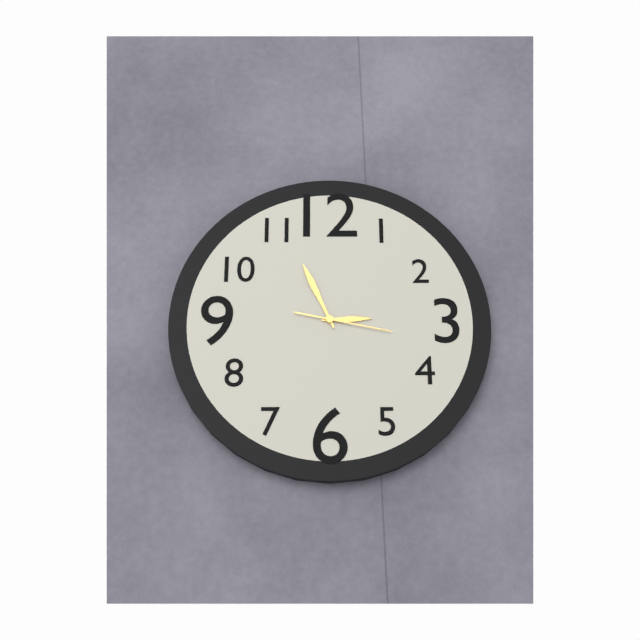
2:56:17
